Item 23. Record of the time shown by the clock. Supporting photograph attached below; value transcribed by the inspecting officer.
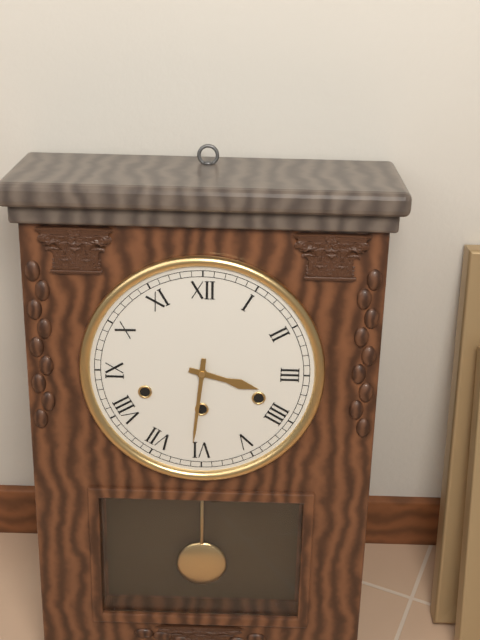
3:31
